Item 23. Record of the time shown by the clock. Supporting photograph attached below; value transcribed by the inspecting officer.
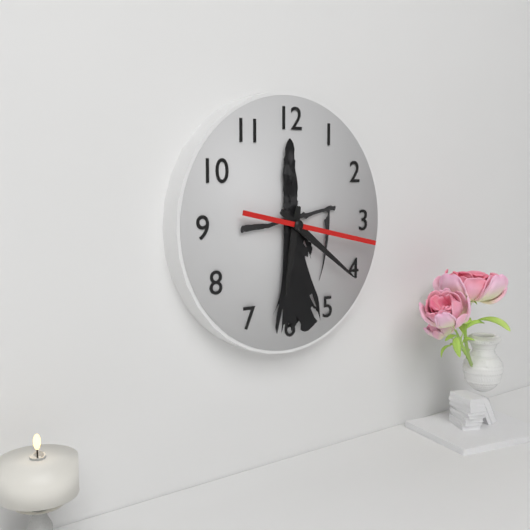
6:21:17
